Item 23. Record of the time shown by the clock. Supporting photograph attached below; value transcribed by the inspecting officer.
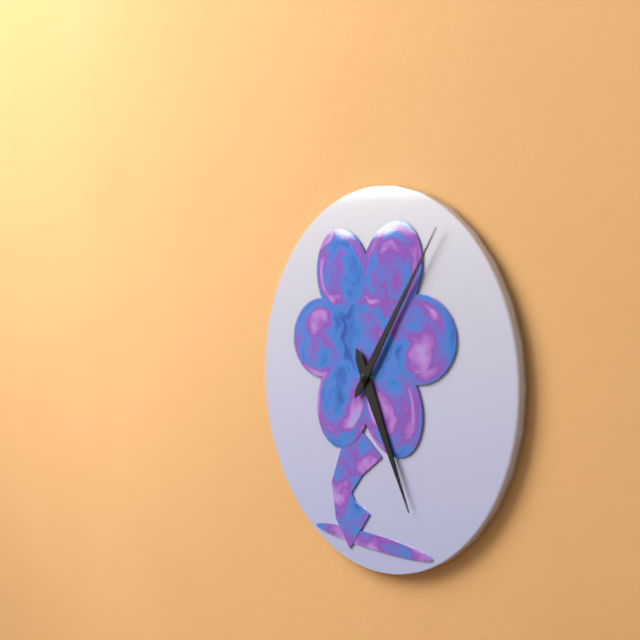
5:06
